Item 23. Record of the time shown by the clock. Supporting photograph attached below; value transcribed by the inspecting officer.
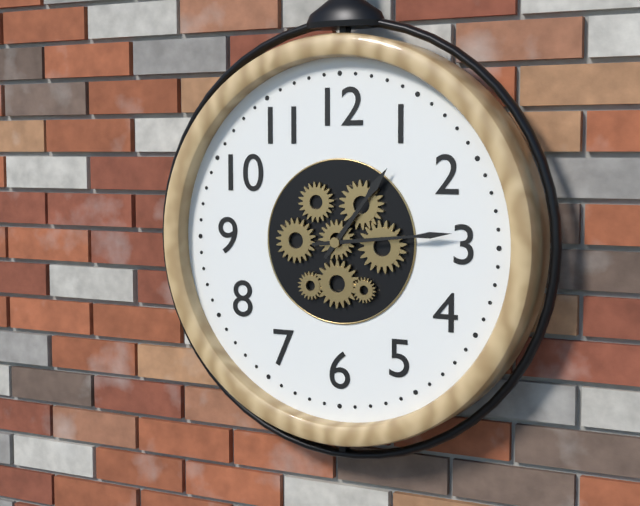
1:14
